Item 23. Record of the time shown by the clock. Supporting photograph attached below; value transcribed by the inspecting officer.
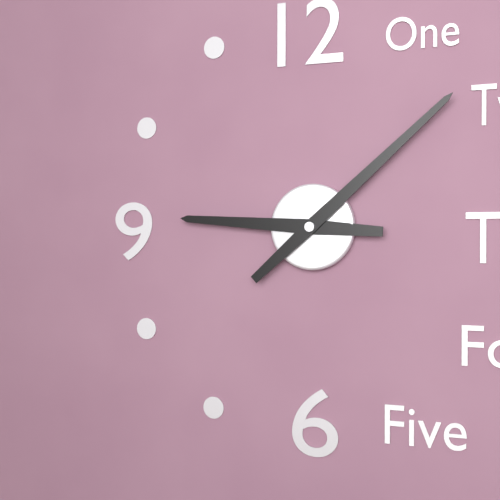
9:08
